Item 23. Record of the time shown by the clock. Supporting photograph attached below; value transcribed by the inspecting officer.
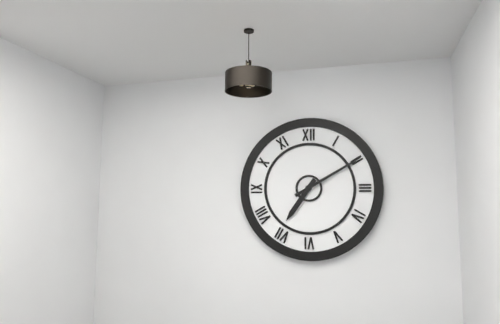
7:10
